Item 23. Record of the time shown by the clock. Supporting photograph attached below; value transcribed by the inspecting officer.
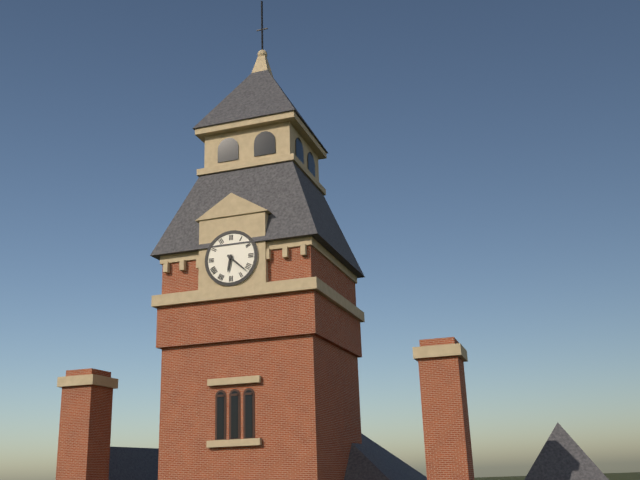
6:22
